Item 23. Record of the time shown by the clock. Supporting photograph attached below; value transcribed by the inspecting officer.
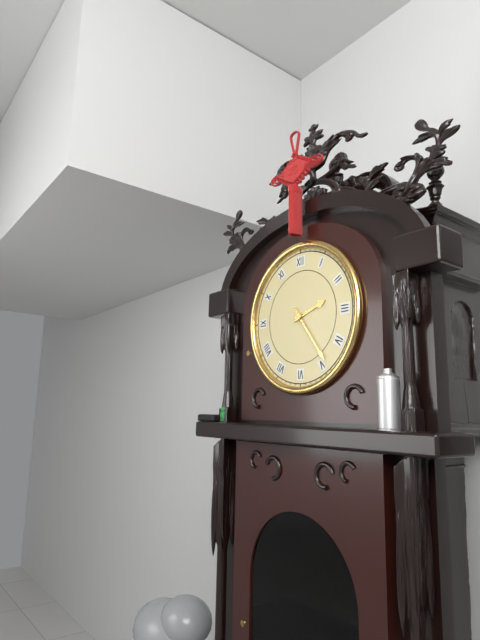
2:24
